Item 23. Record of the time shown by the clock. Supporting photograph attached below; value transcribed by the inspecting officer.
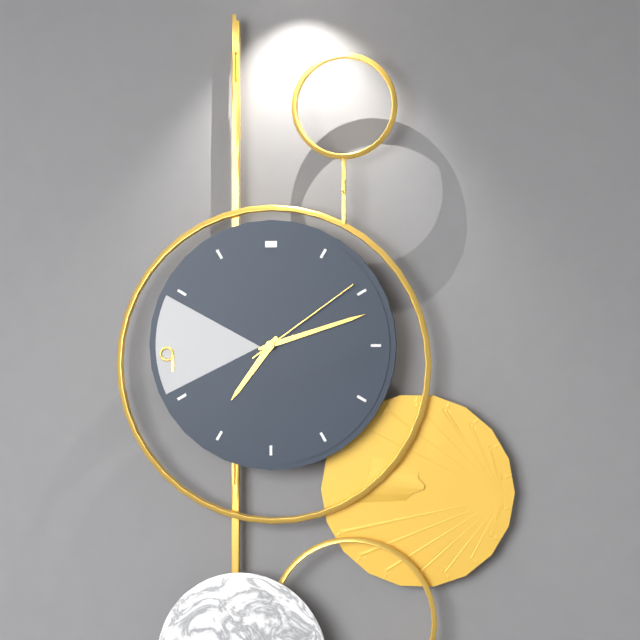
7:12:09
